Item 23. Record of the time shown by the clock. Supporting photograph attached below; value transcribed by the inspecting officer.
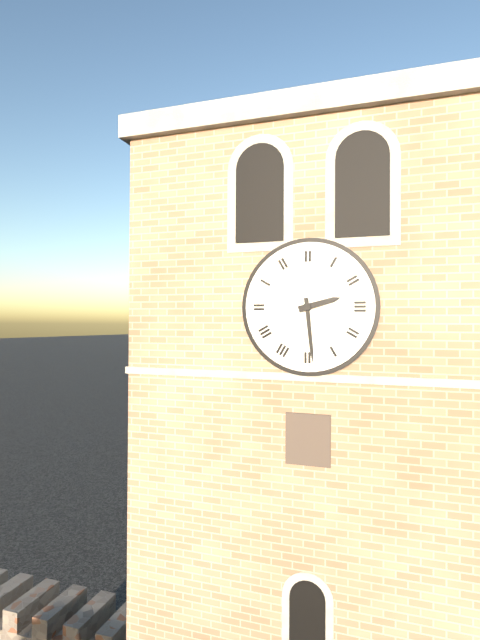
2:29
